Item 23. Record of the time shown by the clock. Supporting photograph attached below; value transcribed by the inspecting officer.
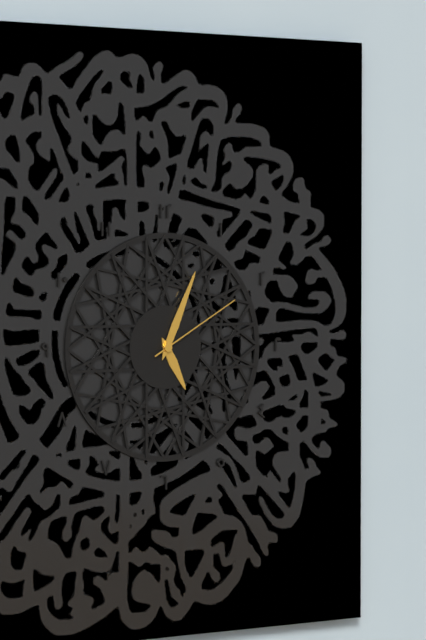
5:04:10
